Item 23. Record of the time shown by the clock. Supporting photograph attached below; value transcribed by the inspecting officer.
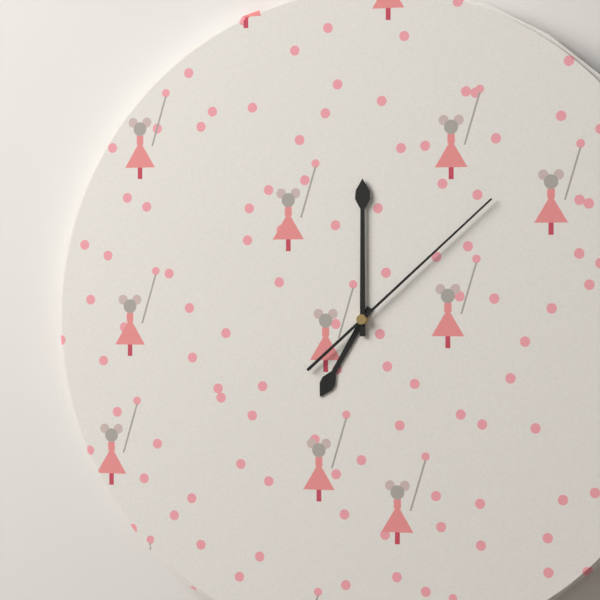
7:00:08
